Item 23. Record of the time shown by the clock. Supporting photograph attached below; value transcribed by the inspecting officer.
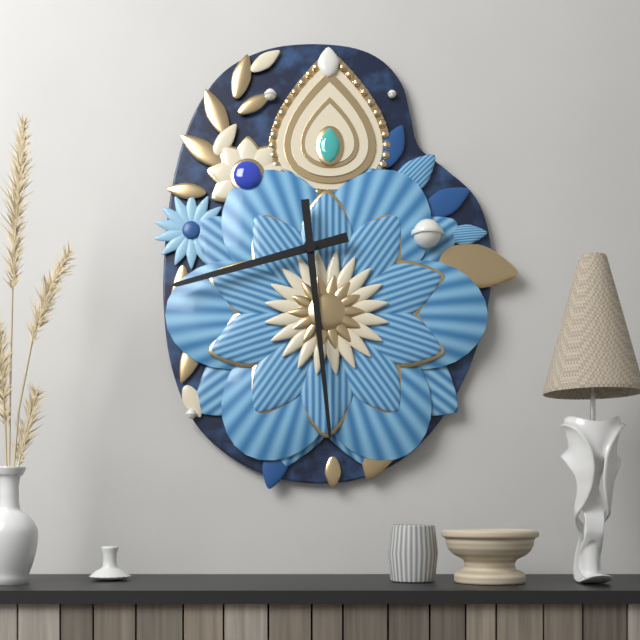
8:29
